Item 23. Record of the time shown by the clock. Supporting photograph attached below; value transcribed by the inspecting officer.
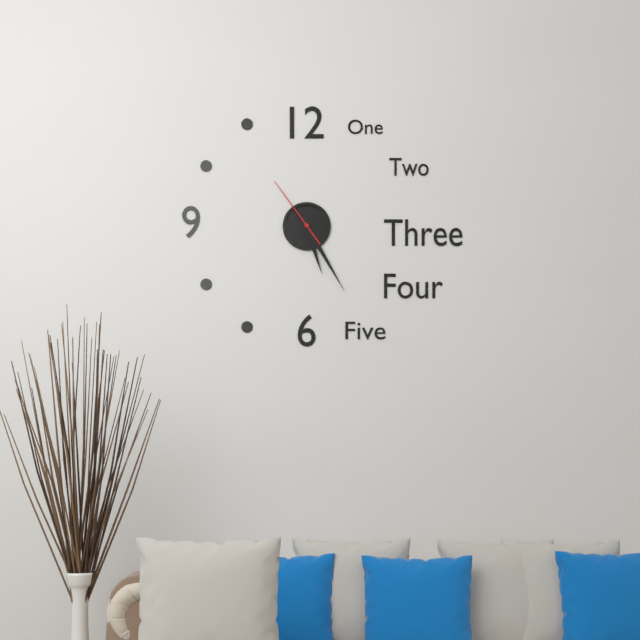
5:25:54
